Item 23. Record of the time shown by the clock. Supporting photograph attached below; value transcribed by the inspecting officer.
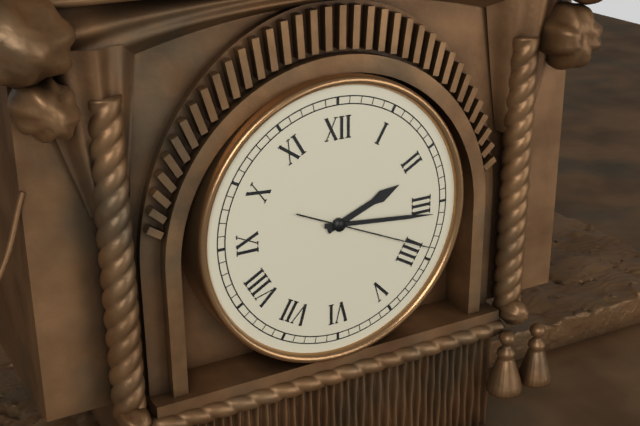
2:16:19
